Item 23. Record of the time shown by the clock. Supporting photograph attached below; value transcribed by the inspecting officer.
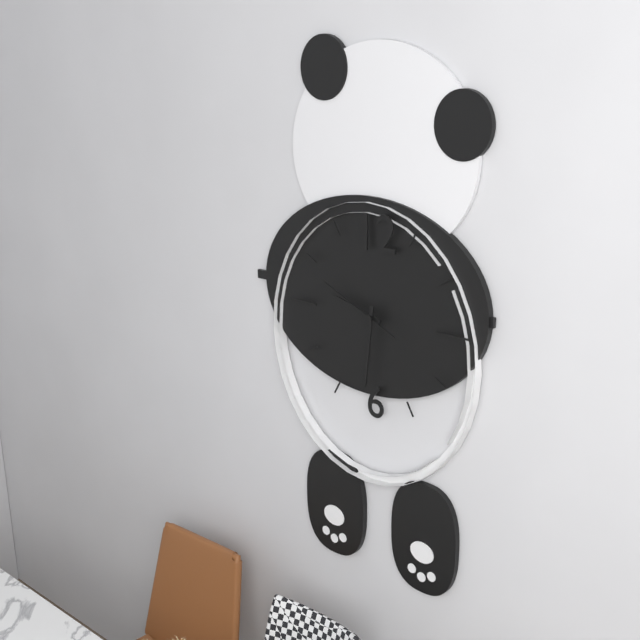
9:31:49
